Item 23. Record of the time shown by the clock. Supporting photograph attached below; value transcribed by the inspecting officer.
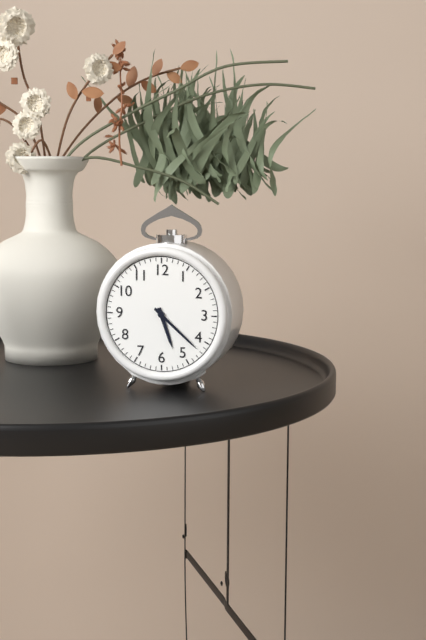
5:22
